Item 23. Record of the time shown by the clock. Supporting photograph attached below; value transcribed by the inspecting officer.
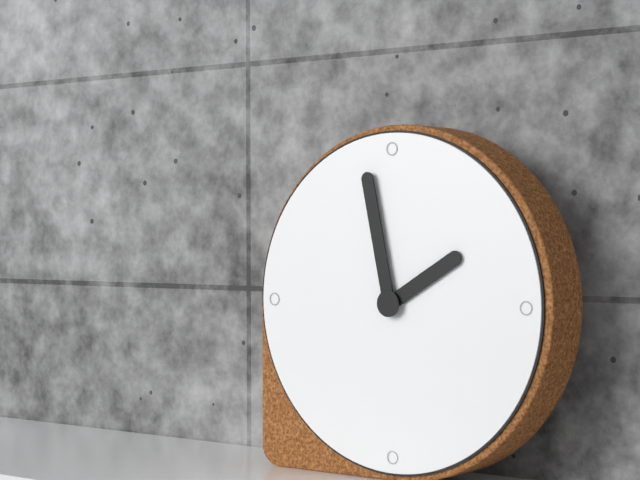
1:58
